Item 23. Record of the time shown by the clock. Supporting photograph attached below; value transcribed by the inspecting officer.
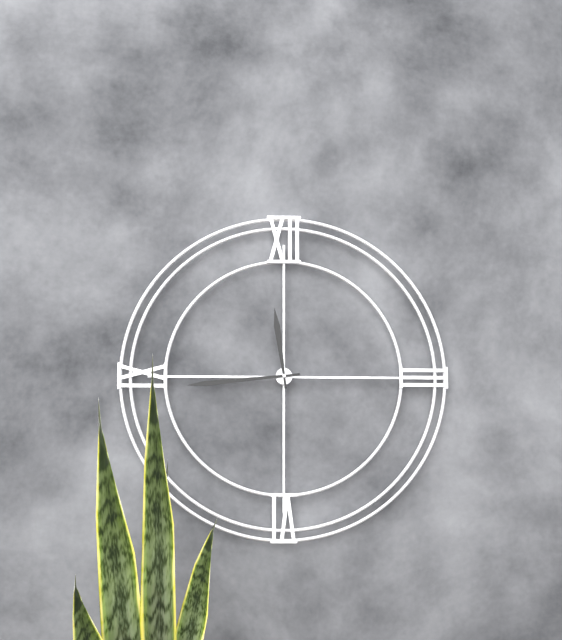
11:44
